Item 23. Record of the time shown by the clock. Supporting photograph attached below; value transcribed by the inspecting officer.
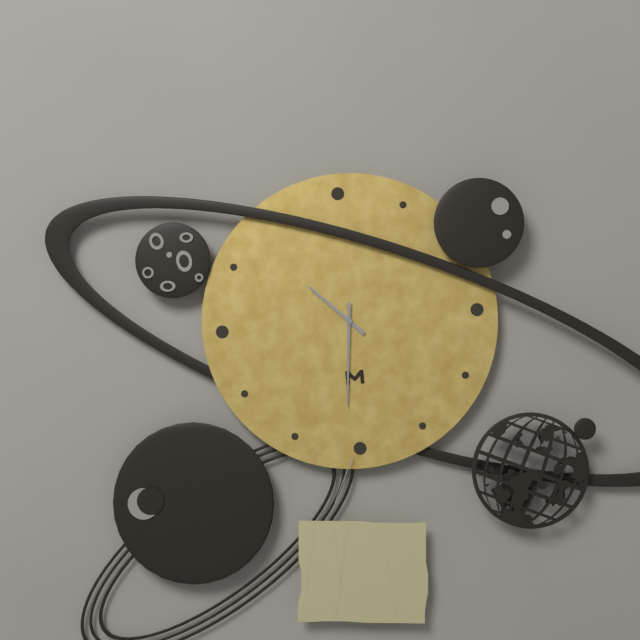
10:31
